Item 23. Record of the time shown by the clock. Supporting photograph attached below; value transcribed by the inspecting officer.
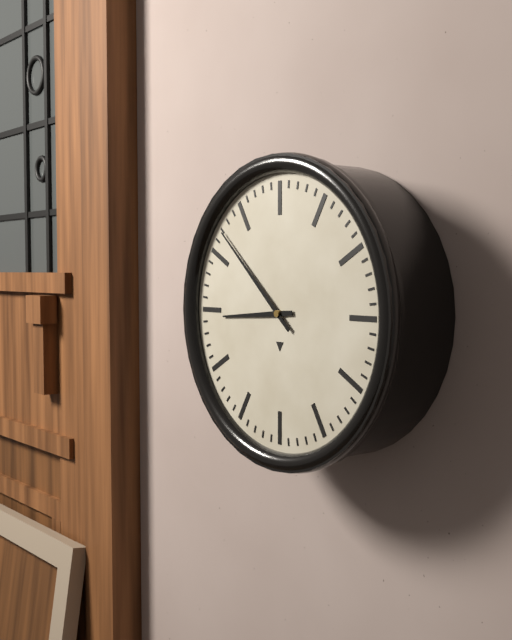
8:52
